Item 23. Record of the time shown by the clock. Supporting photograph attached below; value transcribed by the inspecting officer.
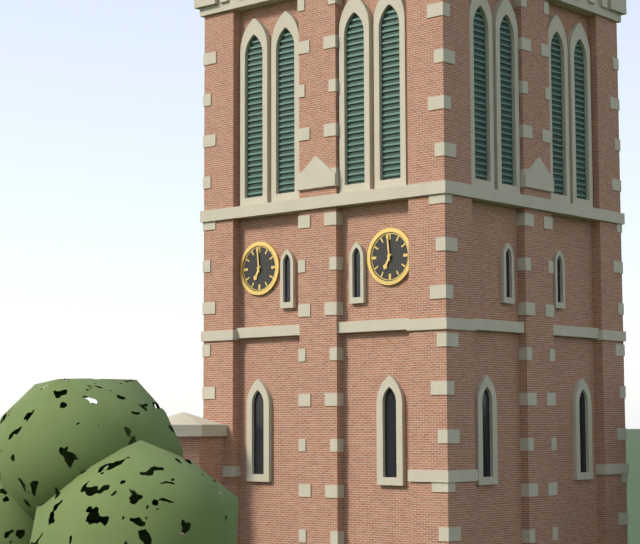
6:59
